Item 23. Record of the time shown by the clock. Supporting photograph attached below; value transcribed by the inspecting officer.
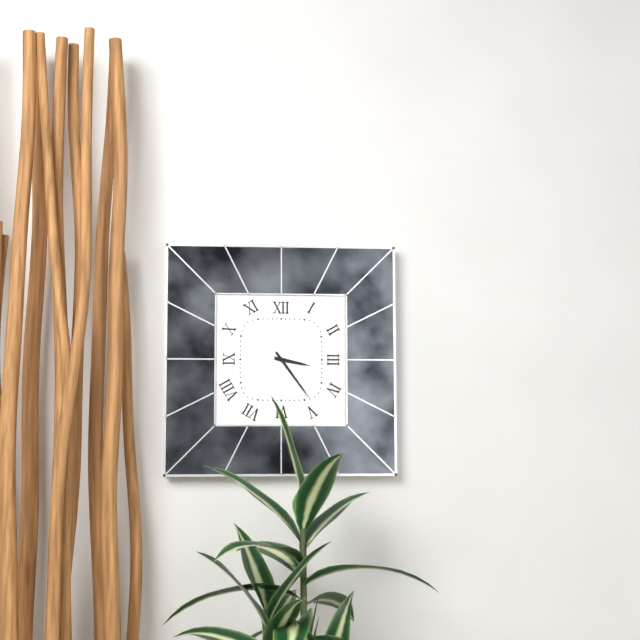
3:24
